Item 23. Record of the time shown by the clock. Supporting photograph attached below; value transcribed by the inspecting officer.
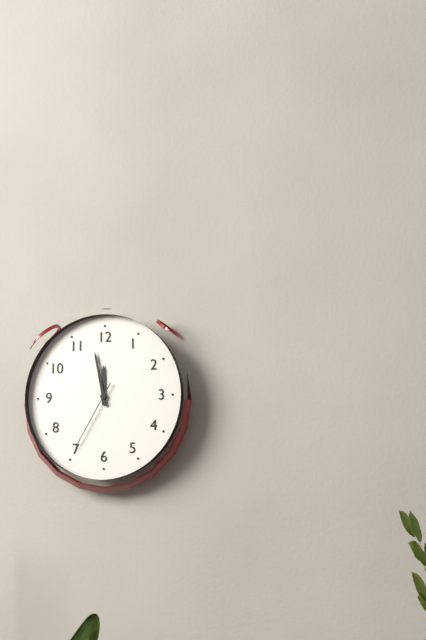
11:58:35
